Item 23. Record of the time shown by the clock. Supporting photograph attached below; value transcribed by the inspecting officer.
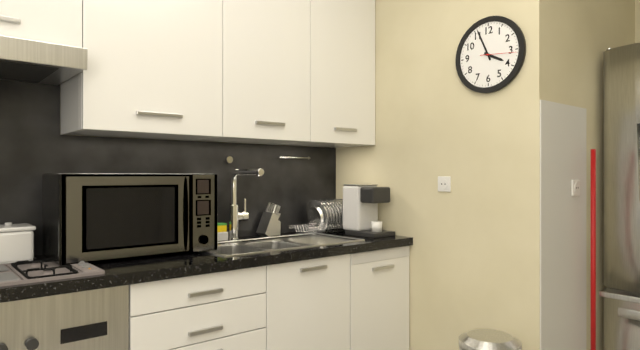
3:56
